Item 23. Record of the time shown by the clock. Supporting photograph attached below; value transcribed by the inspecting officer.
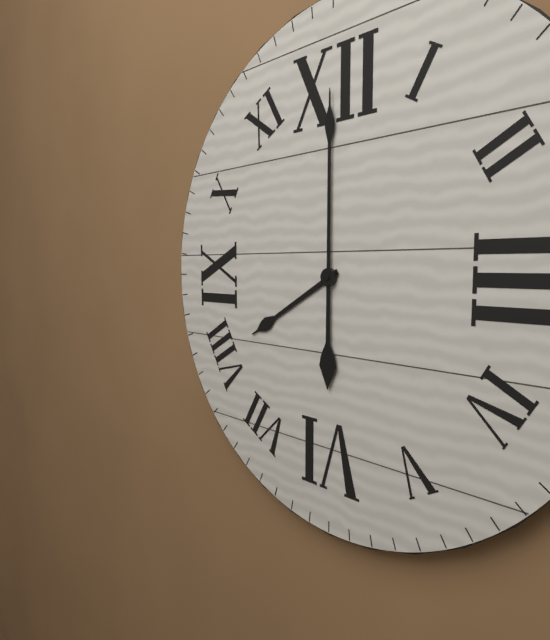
8:00
